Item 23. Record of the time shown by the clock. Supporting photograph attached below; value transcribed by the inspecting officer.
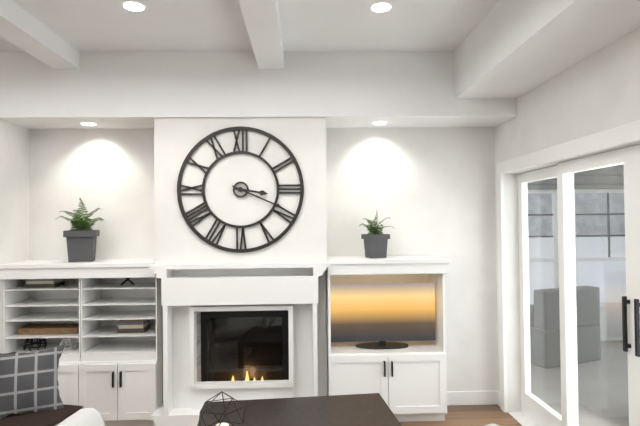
3:19
